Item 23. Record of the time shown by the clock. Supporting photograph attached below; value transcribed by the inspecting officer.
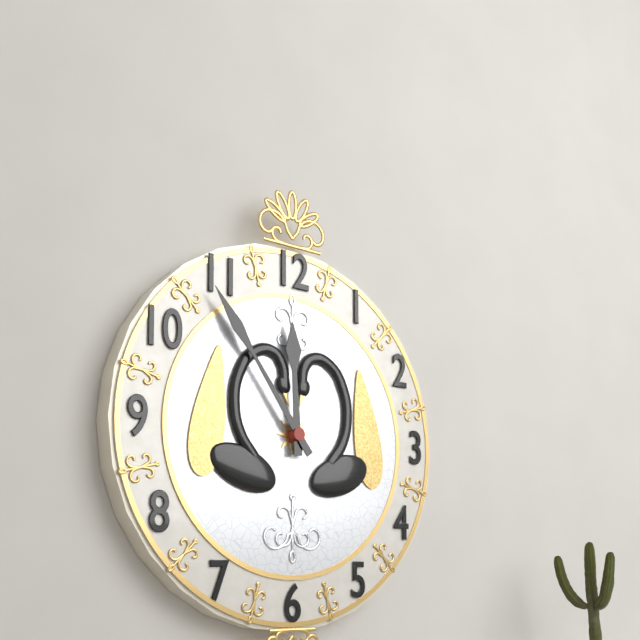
11:54
